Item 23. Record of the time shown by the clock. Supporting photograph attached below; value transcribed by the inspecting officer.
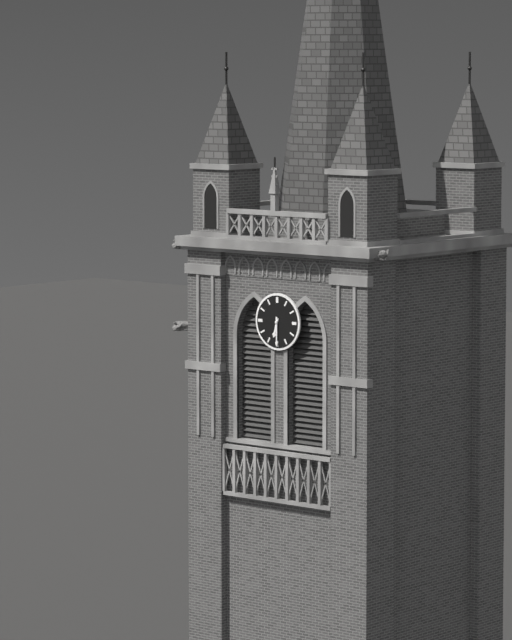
6:30
